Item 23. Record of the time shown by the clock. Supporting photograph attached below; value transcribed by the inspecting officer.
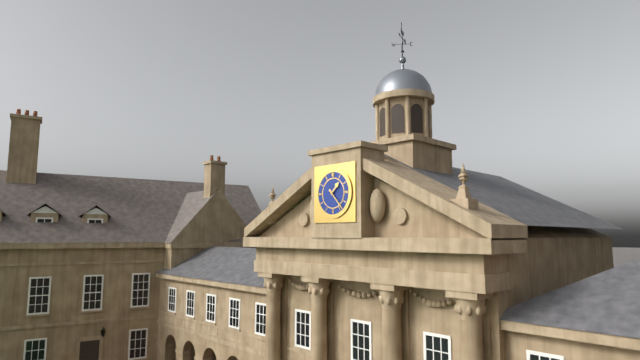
1:23
